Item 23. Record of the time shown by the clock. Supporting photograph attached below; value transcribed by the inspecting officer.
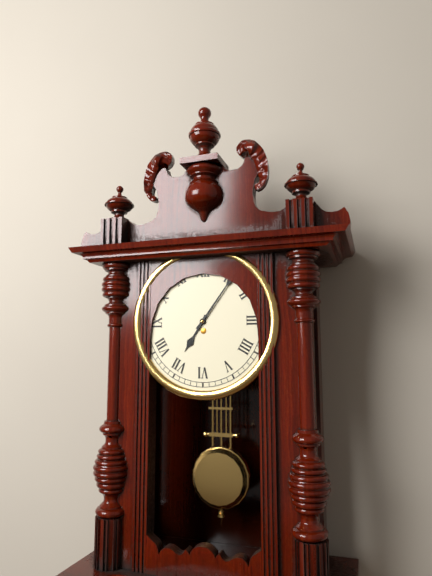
7:06
